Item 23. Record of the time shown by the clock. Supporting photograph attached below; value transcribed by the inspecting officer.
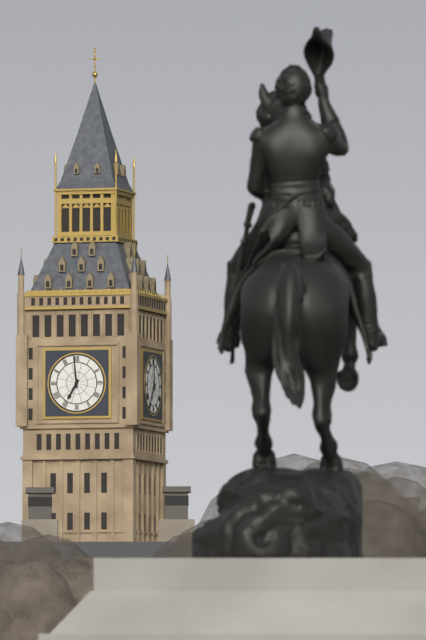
6:59
